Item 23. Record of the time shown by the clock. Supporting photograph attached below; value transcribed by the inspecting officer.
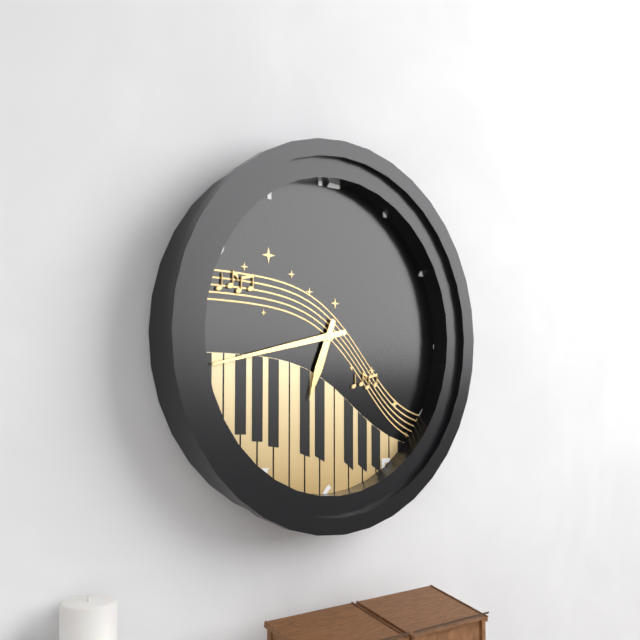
6:43
